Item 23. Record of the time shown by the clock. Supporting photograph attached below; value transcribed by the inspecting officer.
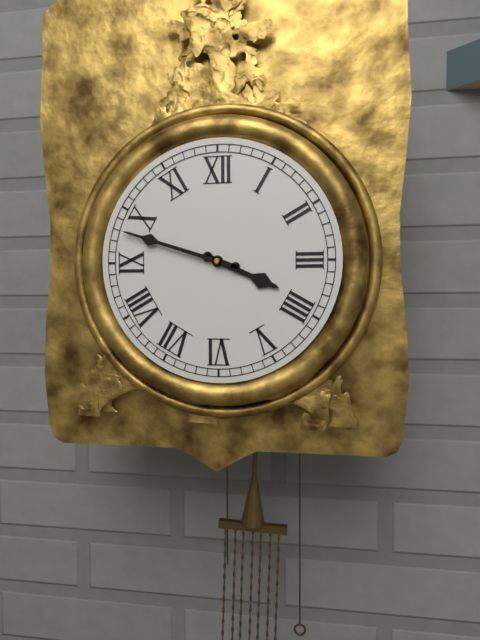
3:48
